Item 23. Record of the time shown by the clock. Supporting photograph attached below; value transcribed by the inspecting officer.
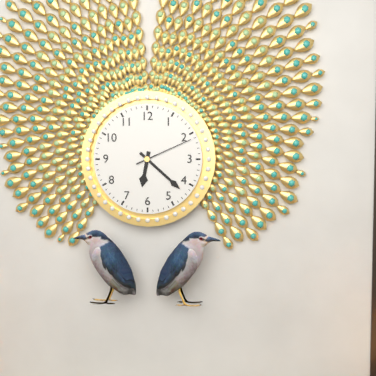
6:22:11
